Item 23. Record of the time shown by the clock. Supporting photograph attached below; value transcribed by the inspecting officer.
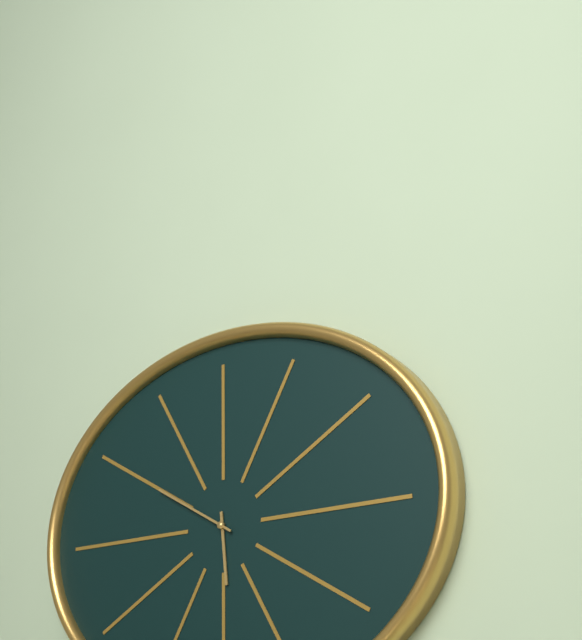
5:50
